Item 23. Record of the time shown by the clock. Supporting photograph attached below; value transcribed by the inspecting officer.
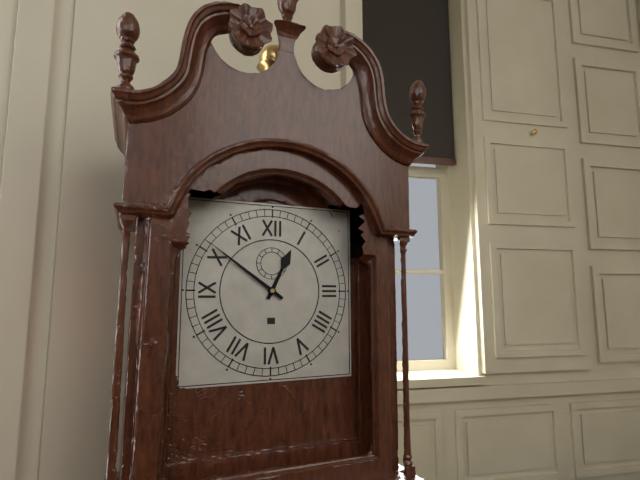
12:51
